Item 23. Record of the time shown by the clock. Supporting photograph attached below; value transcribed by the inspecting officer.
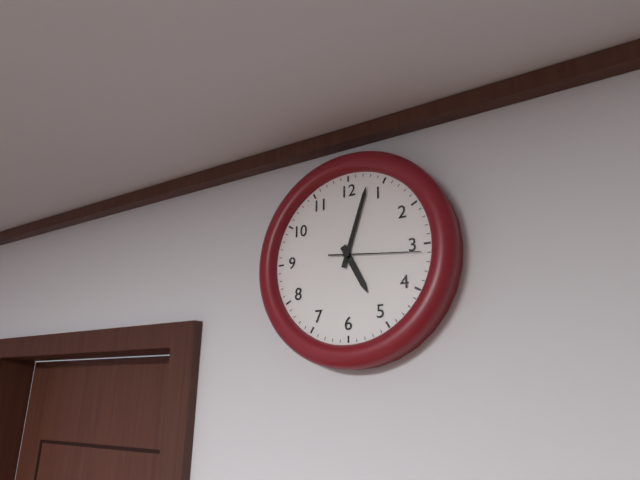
5:03:16
